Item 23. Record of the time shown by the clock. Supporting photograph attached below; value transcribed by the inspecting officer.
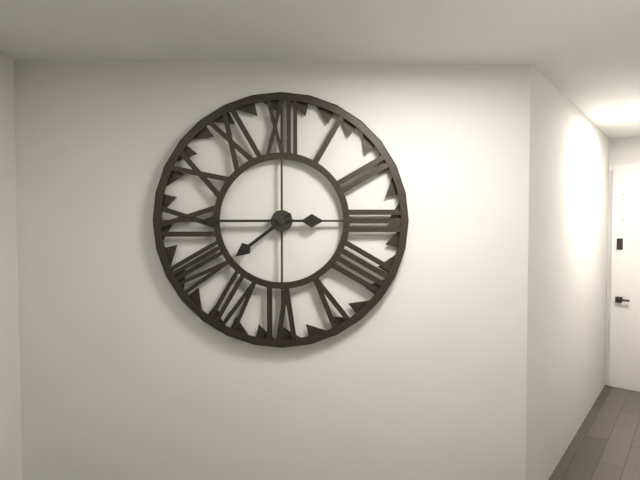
7:45
